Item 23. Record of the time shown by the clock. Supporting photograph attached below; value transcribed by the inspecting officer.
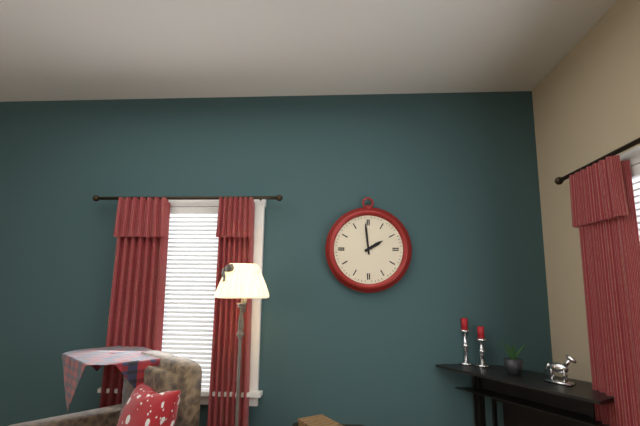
1:59
